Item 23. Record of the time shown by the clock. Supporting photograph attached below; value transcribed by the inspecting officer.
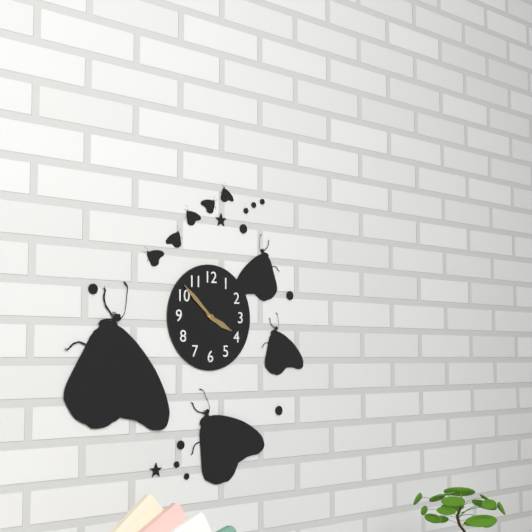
3:52
